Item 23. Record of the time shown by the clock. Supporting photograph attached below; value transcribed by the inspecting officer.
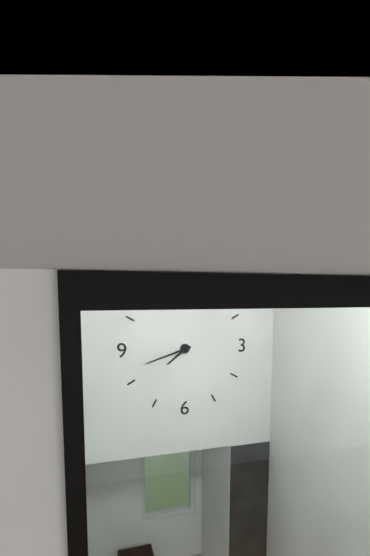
7:42
